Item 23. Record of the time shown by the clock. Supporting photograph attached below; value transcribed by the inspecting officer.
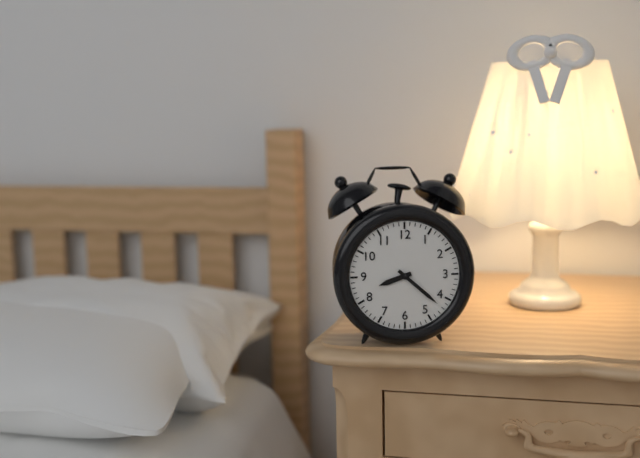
8:22
